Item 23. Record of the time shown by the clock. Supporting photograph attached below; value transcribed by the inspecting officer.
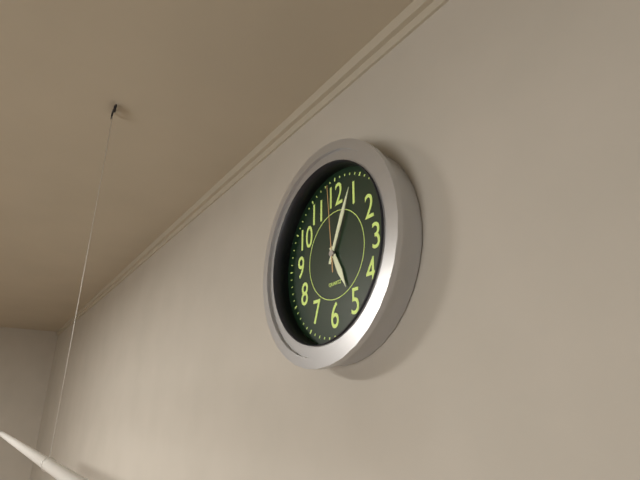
5:04:59
